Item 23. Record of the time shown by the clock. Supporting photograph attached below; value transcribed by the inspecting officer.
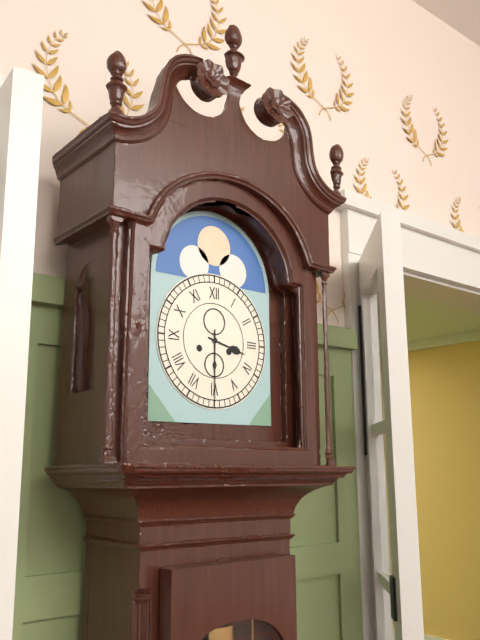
3:30
